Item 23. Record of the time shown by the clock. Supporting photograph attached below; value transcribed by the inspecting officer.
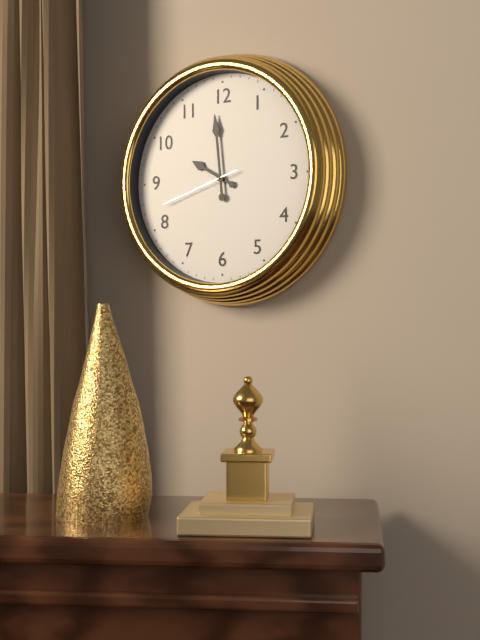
9:59:42
